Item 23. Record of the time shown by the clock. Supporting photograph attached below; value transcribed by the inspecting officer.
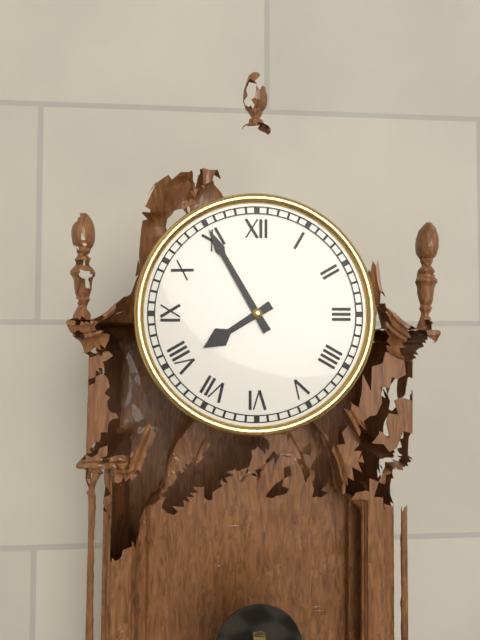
7:55
